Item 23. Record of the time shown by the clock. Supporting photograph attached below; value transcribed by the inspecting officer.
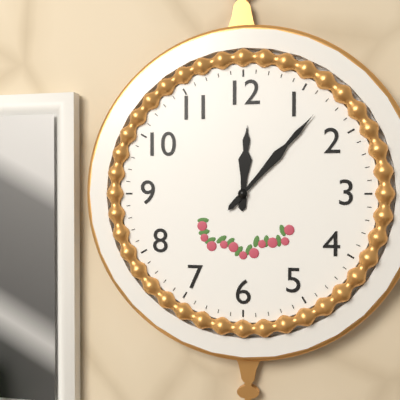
12:07
